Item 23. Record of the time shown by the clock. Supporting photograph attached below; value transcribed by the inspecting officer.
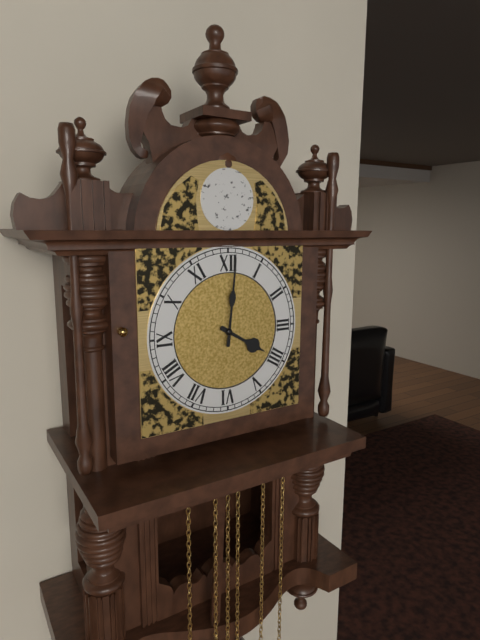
4:01
